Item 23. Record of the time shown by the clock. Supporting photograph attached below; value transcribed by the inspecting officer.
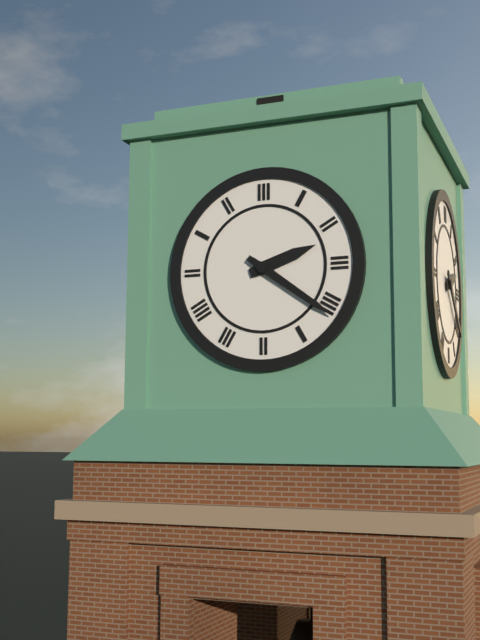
2:21
